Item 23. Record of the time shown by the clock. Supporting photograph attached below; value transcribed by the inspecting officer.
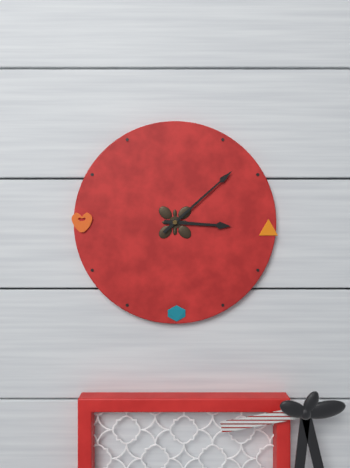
3:08
